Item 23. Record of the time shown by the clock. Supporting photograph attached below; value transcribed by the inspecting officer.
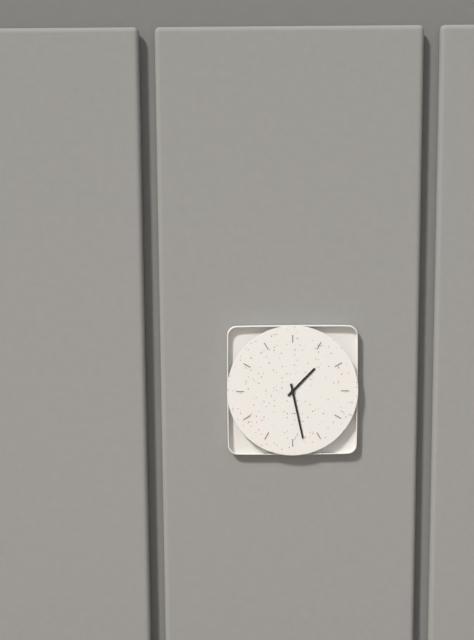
1:28
